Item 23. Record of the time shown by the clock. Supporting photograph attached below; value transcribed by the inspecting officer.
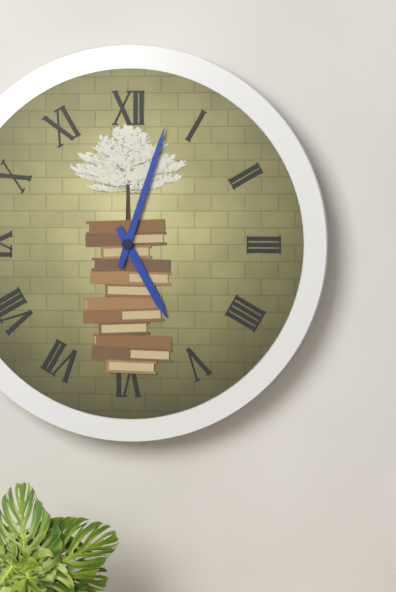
5:03
